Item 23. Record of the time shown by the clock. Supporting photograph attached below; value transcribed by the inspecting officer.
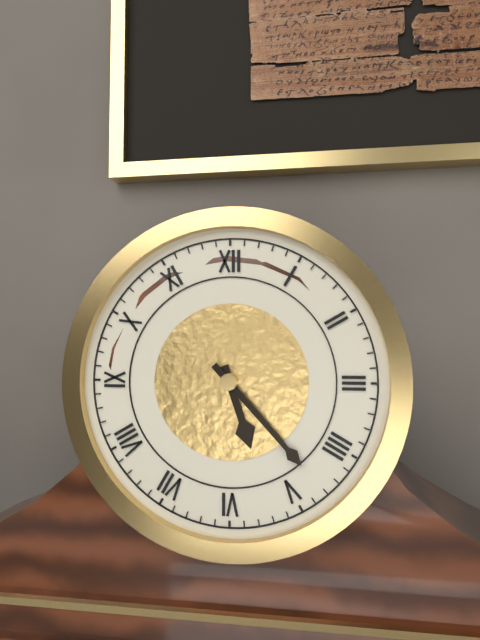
5:23
